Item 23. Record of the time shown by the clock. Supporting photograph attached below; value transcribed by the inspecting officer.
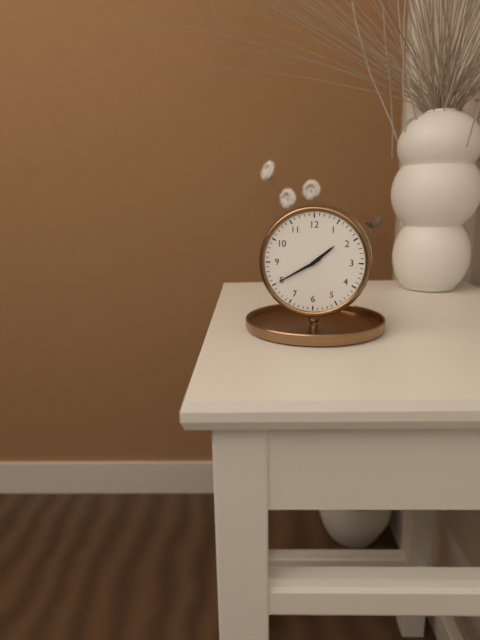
1:40
